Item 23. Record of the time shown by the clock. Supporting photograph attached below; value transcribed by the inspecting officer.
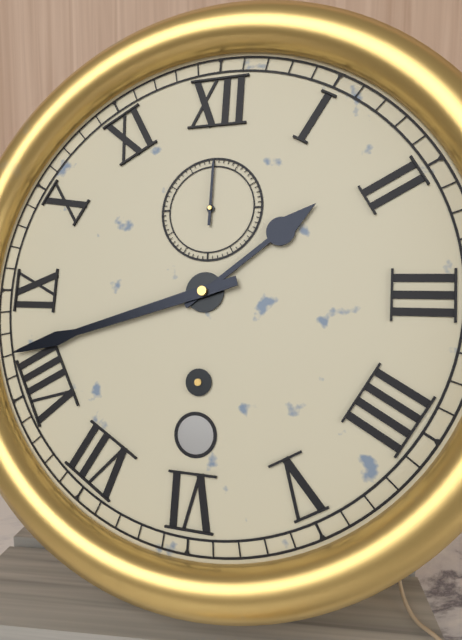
1:42:00
